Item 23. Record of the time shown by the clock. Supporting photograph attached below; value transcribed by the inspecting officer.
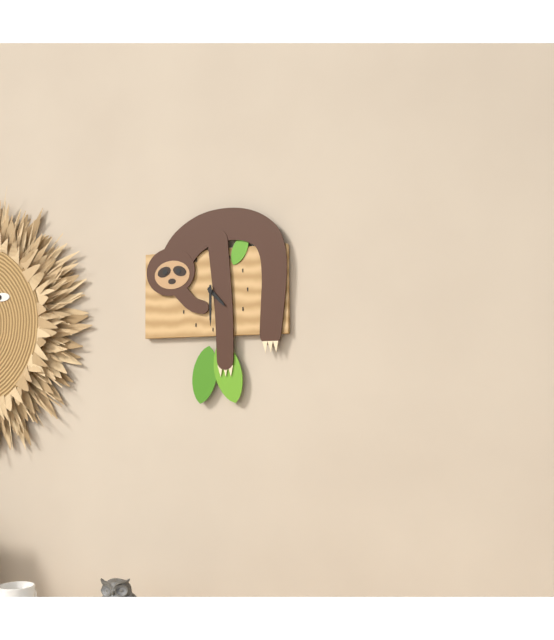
4:30
